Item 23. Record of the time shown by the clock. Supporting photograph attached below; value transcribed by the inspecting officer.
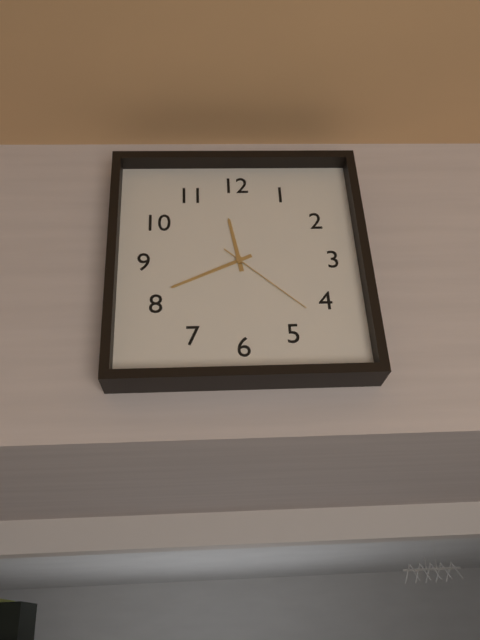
11:41:22
